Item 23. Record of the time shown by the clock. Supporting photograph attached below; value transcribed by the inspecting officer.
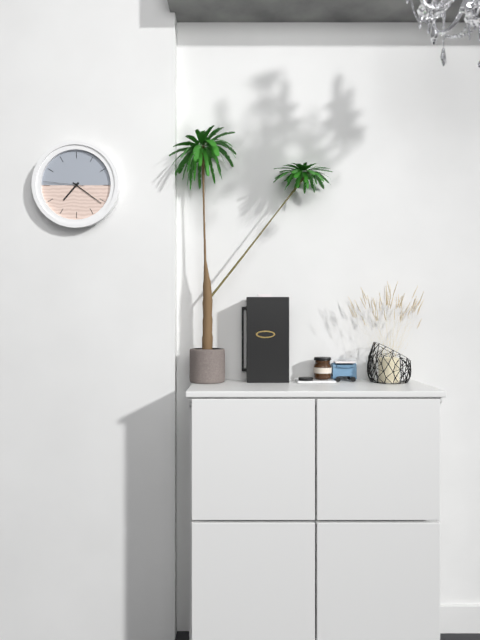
7:21
